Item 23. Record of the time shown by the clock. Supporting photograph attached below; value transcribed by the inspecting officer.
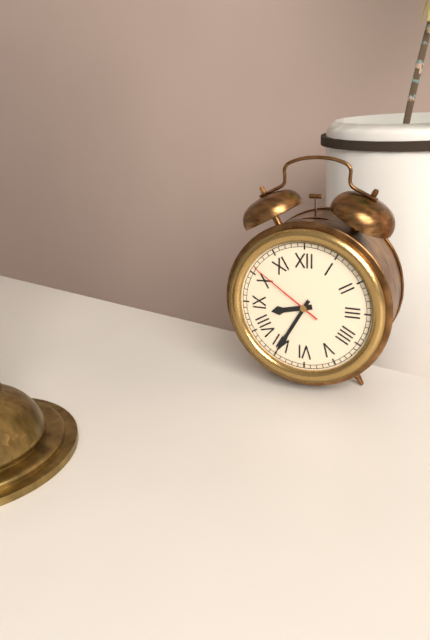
8:35:51
